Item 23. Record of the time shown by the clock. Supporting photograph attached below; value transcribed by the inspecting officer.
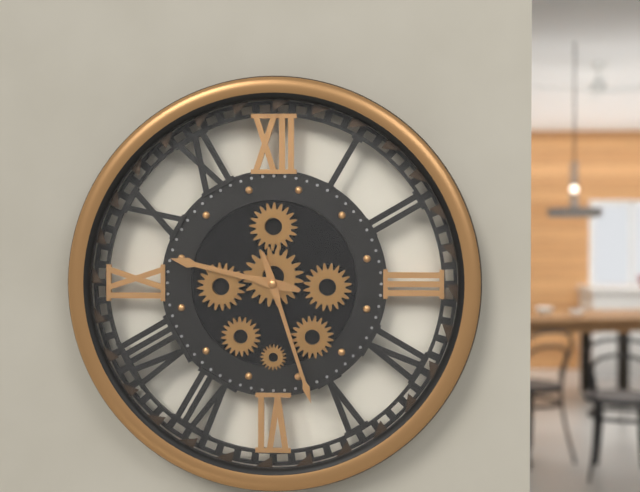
9:27
